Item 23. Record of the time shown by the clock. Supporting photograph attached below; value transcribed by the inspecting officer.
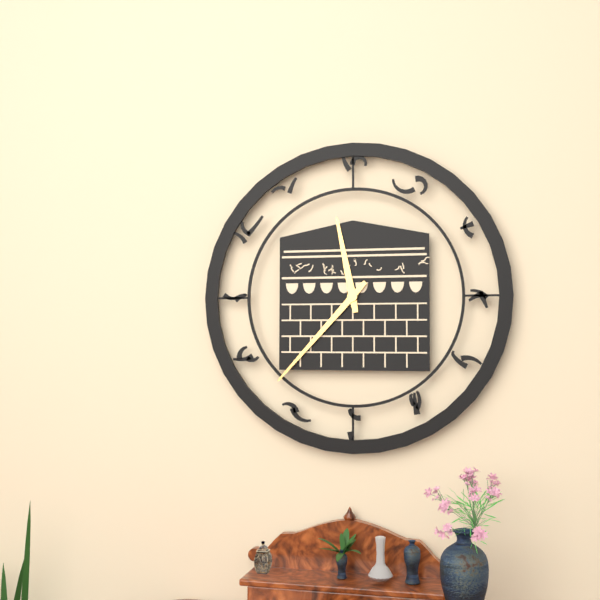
11:37
